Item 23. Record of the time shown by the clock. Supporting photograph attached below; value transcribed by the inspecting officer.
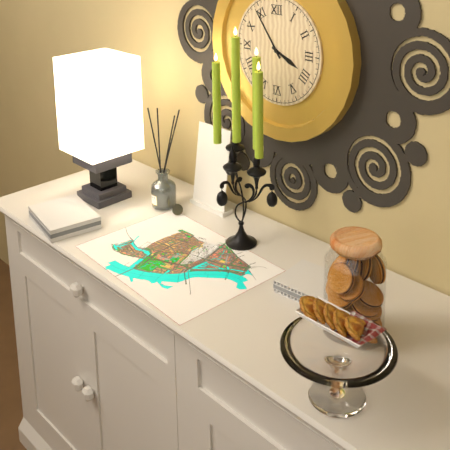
3:54
